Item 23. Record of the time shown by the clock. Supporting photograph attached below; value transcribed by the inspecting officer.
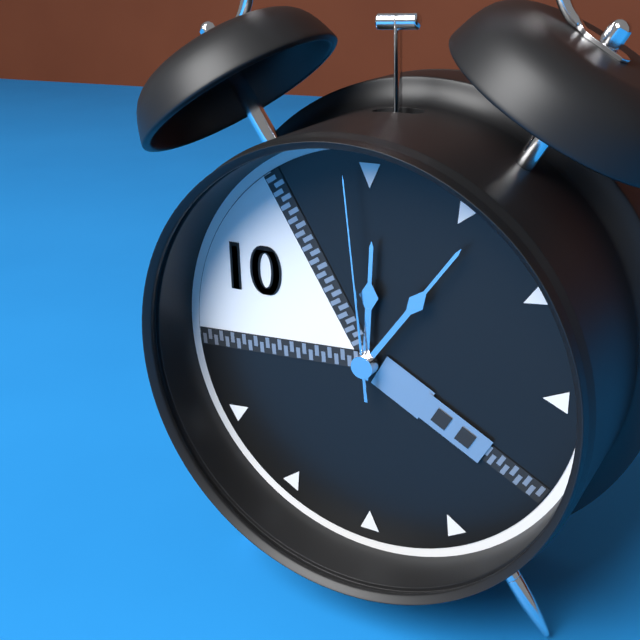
12:06:59
